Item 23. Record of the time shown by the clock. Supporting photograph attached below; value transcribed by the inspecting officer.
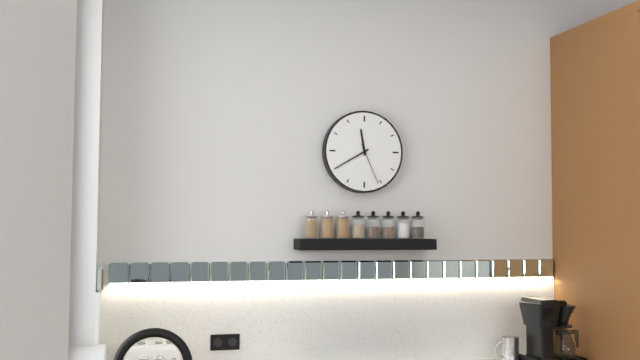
11:40
